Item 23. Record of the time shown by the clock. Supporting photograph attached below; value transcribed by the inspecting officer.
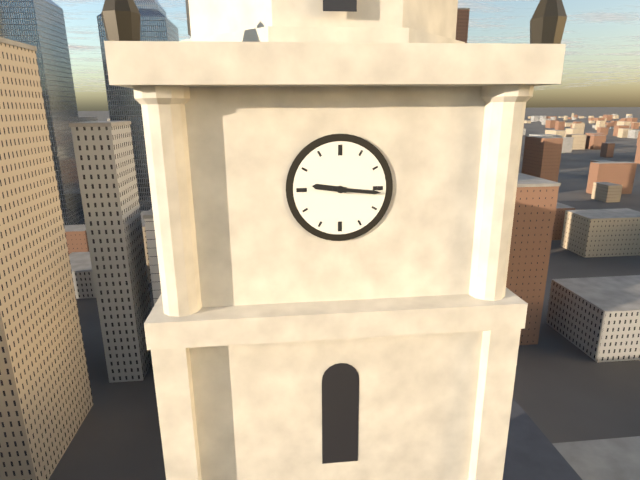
9:16
